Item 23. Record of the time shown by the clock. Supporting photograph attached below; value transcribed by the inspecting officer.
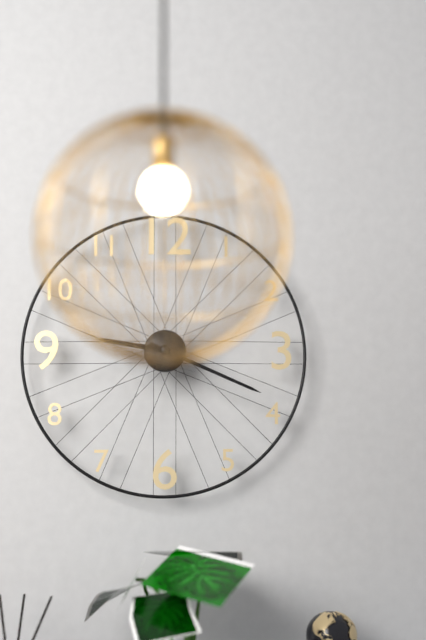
9:19
